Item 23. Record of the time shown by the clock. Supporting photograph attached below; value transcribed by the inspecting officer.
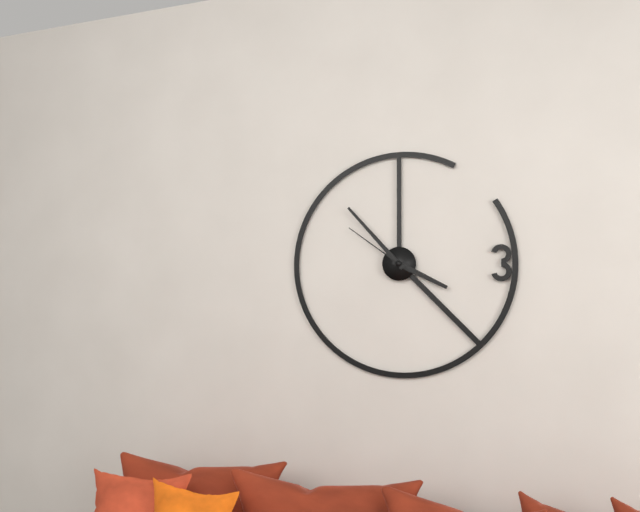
3:53:51
